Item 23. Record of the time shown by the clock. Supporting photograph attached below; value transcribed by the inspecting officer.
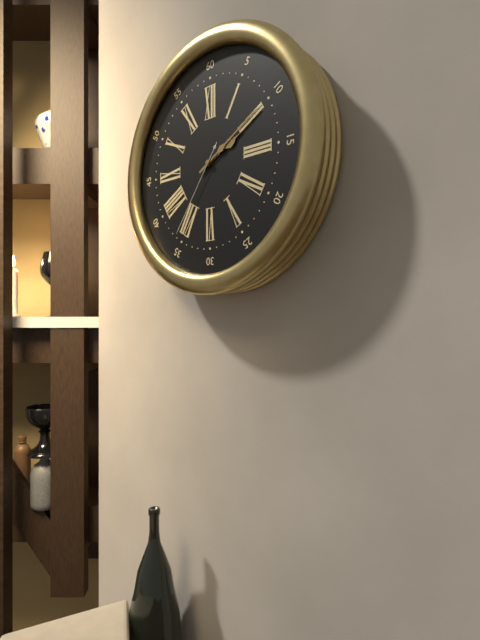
2:10:36
